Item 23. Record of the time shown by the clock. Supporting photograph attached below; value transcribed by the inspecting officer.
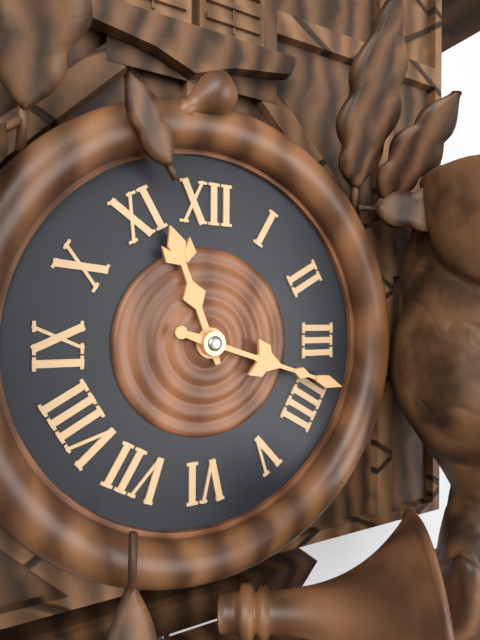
11:18
